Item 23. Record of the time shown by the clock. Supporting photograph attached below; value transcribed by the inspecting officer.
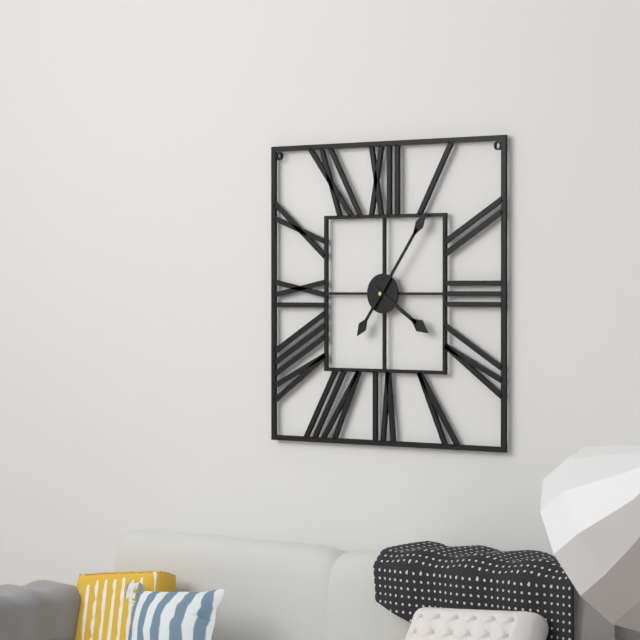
4:06
